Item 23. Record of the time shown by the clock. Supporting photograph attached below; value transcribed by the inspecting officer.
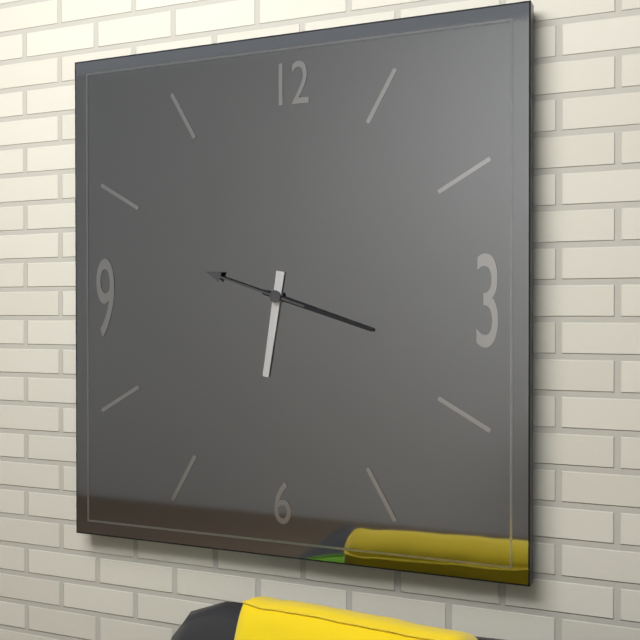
6:18:48
